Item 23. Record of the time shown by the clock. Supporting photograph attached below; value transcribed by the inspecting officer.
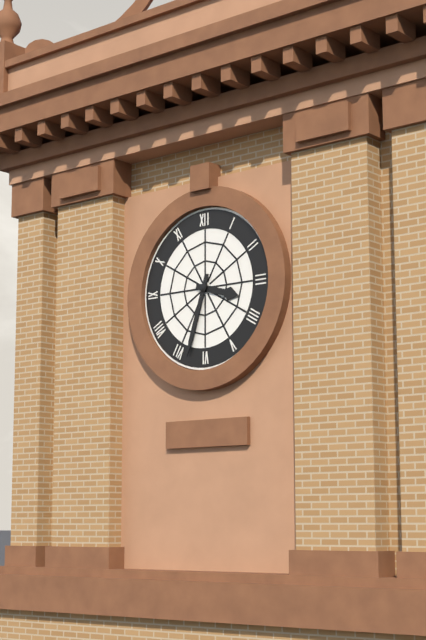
3:33
